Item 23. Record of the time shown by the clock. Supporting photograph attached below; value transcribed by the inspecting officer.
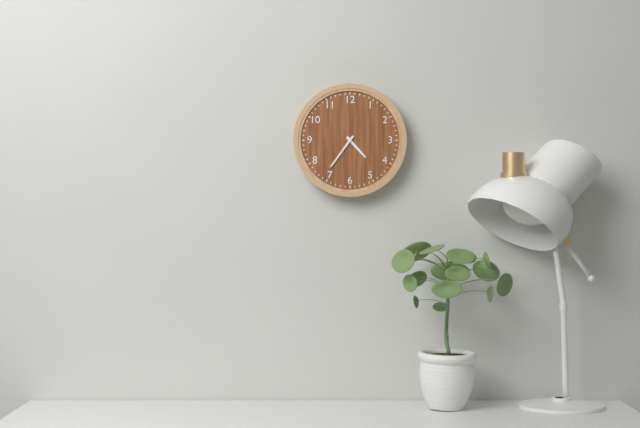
4:36
